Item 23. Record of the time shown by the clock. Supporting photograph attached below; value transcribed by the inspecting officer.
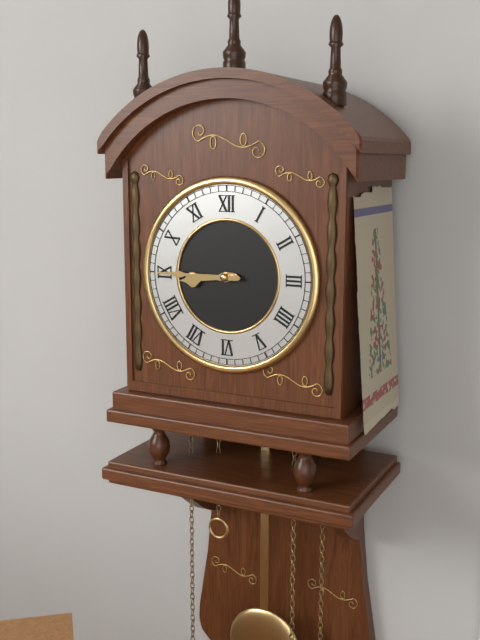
8:45
